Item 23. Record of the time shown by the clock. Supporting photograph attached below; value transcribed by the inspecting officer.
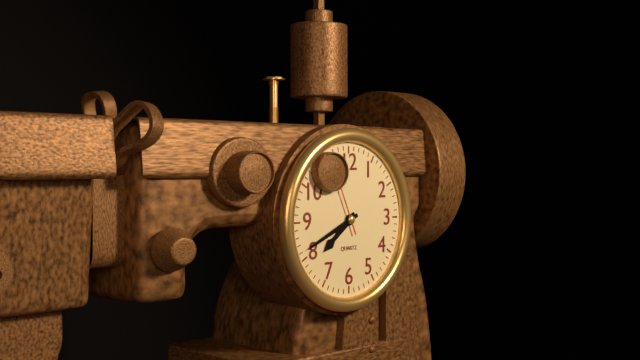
7:41
